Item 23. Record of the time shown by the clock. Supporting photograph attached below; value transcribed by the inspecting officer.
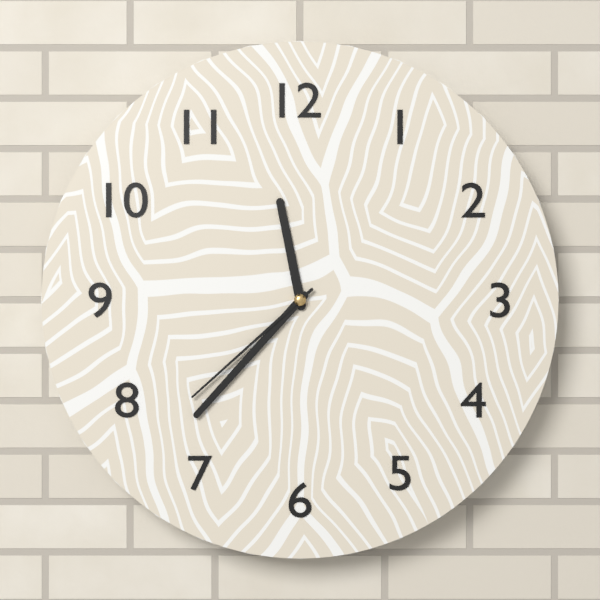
11:37:38
